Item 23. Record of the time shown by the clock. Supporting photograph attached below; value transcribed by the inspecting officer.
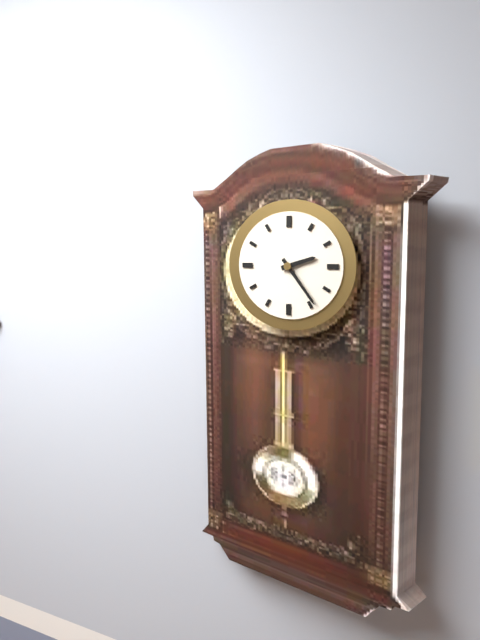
2:24
